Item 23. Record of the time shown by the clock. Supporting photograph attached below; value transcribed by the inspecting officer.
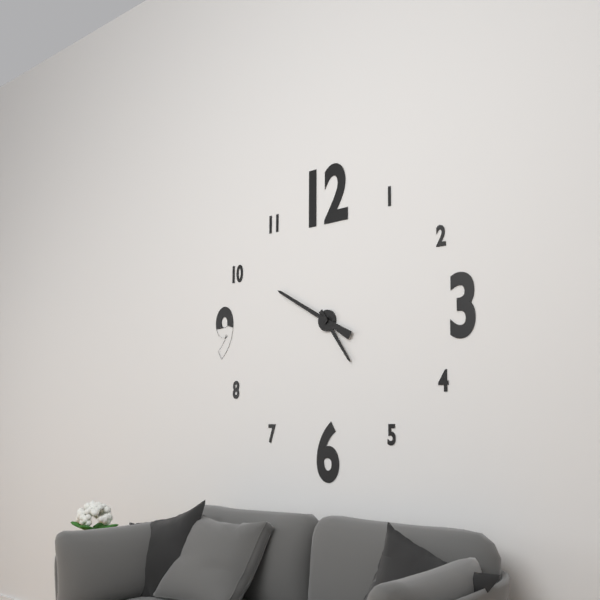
4:50
